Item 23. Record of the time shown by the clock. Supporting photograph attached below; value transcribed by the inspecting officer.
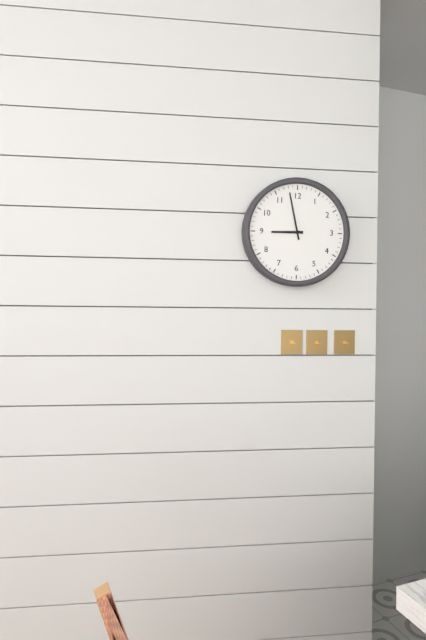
8:58
